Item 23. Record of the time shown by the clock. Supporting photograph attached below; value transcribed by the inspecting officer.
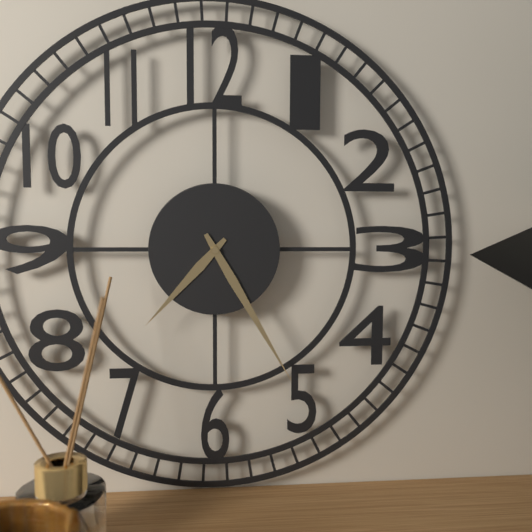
7:25
